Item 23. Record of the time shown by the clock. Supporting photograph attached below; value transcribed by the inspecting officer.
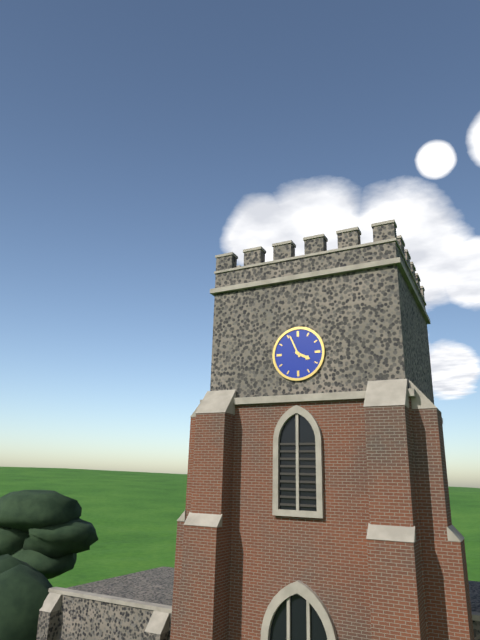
3:56
